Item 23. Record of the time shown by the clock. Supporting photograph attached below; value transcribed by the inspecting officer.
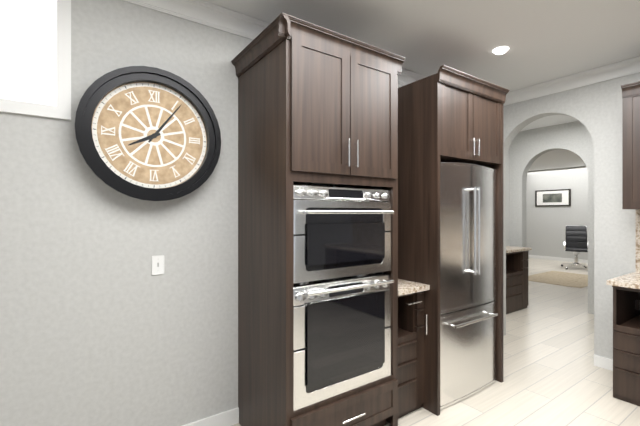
8:06
